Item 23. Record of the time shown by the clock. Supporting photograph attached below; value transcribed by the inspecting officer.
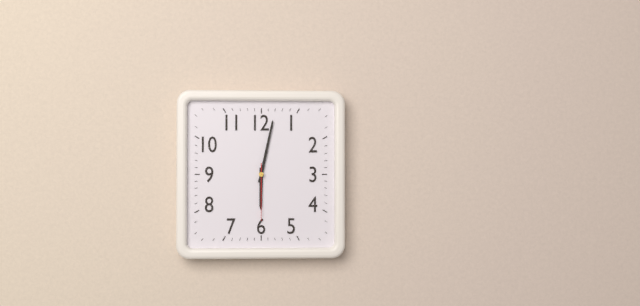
6:02:30
